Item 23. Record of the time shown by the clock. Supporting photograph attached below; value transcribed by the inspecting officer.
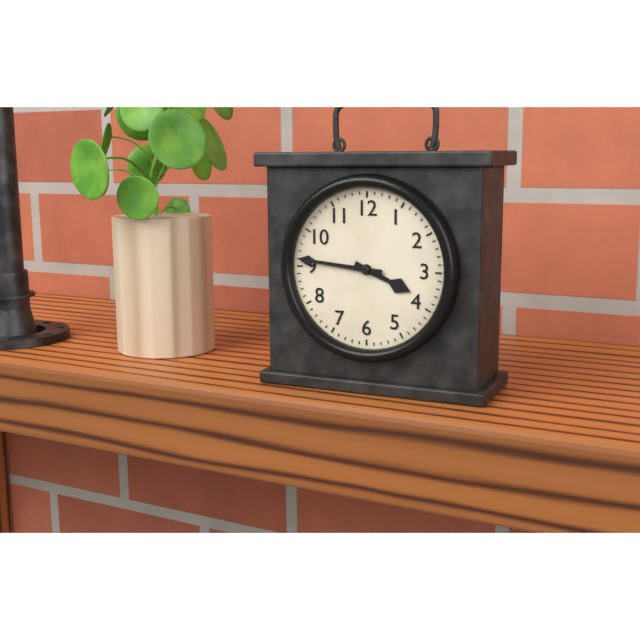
3:46
